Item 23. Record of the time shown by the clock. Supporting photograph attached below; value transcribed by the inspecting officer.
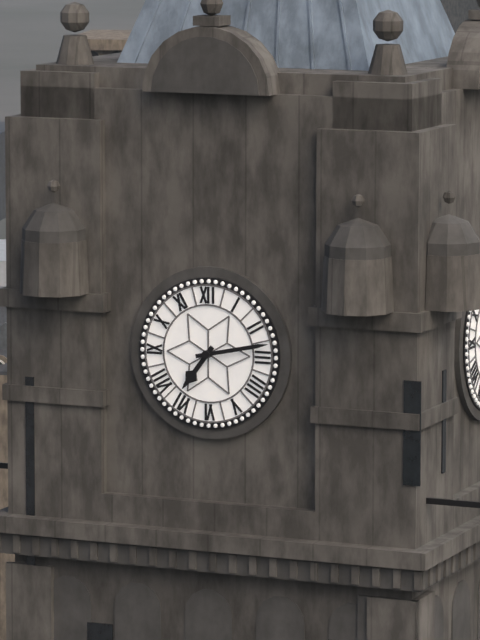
7:13
